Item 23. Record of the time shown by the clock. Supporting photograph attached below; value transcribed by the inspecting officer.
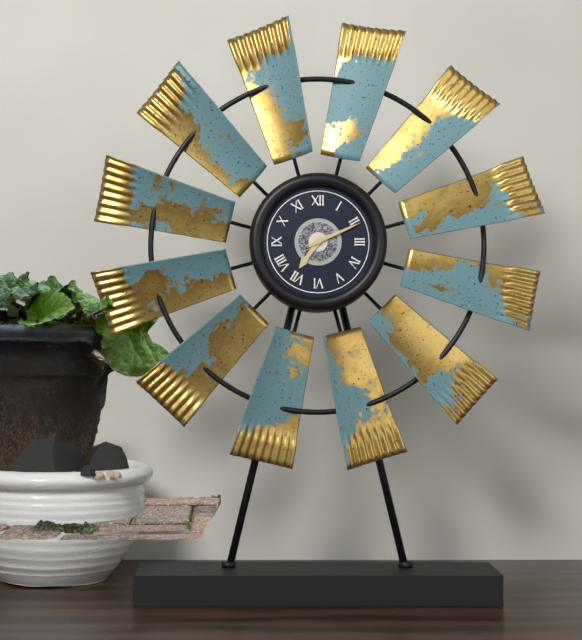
7:11
